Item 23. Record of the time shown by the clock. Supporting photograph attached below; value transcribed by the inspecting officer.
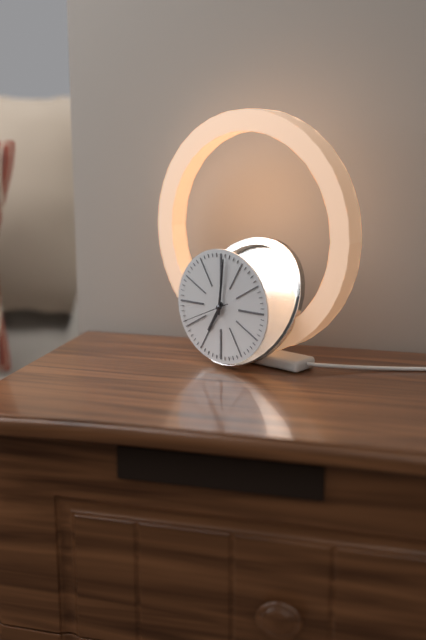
7:01
